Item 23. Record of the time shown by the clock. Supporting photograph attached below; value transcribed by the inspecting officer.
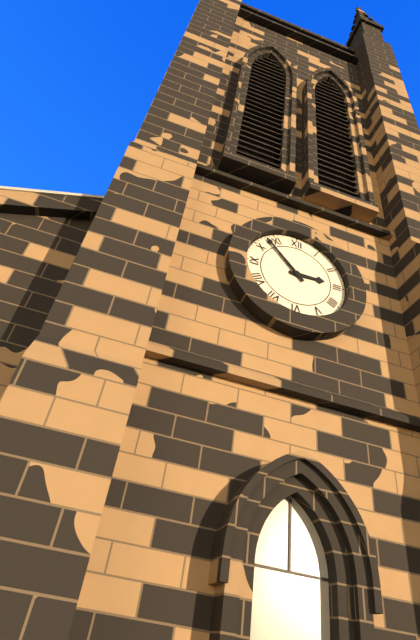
2:53
